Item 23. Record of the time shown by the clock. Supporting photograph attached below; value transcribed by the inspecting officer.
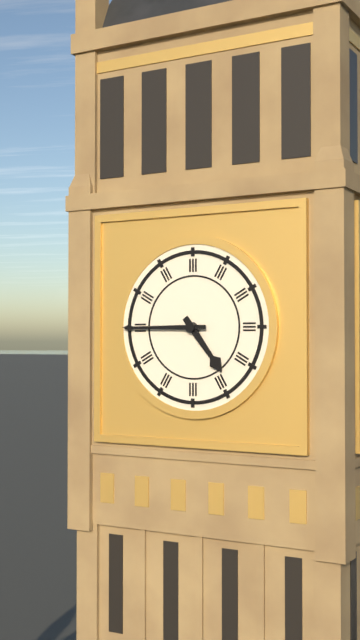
4:45
